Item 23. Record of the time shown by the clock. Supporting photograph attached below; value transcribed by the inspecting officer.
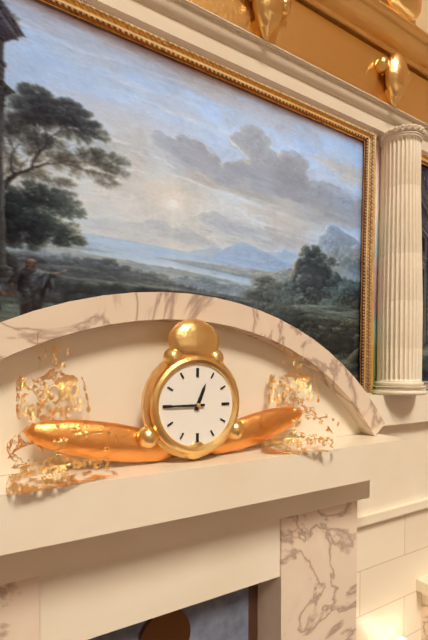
12:45
